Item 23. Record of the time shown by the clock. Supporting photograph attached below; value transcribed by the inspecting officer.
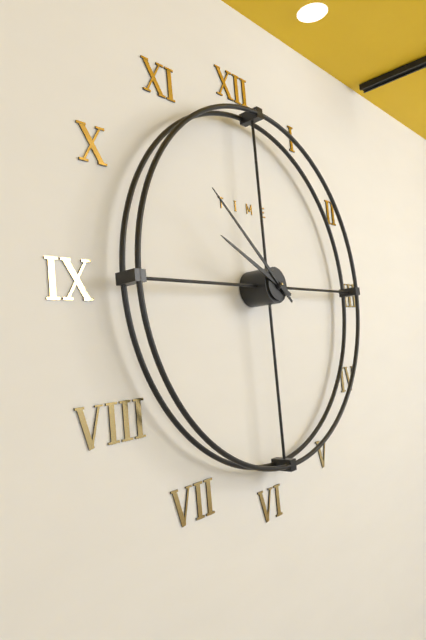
9:52
